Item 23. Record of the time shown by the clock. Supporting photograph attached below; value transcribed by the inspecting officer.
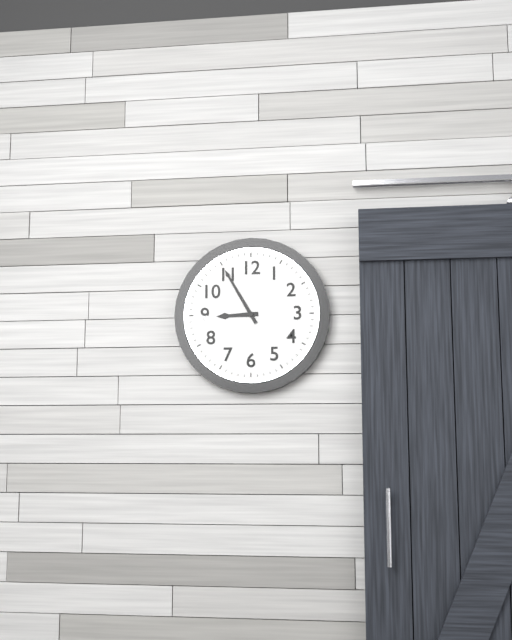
8:55
